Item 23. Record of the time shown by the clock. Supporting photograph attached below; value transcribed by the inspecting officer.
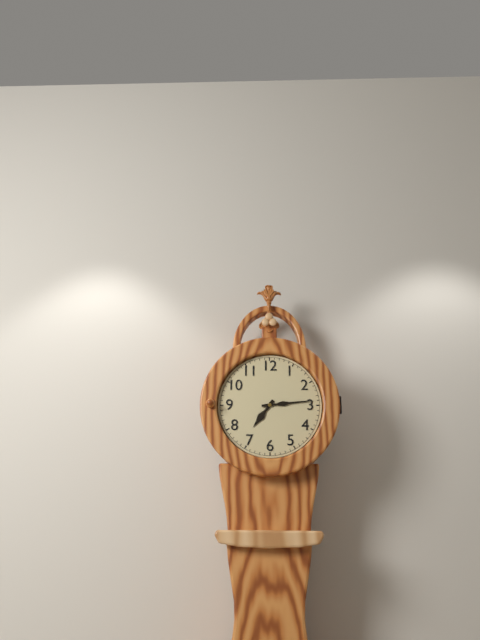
7:14
